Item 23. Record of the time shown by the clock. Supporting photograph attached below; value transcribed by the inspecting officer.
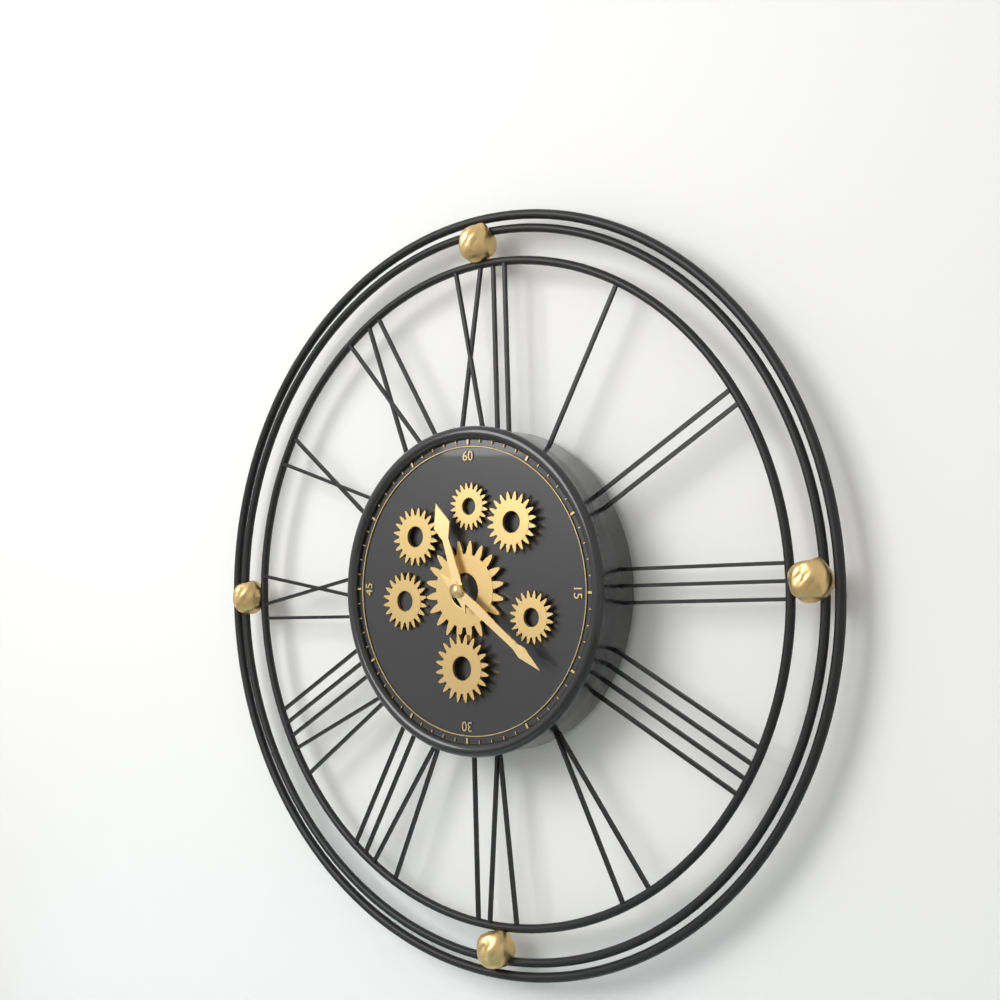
11:21
